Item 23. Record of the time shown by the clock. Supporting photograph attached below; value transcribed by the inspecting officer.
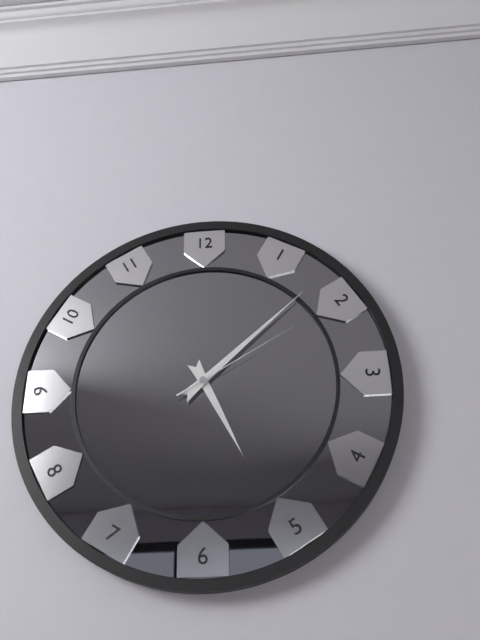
5:08:10
